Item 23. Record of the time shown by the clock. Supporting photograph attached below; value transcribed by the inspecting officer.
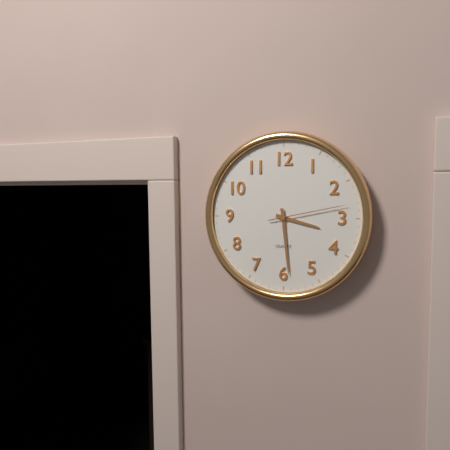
3:29:13
